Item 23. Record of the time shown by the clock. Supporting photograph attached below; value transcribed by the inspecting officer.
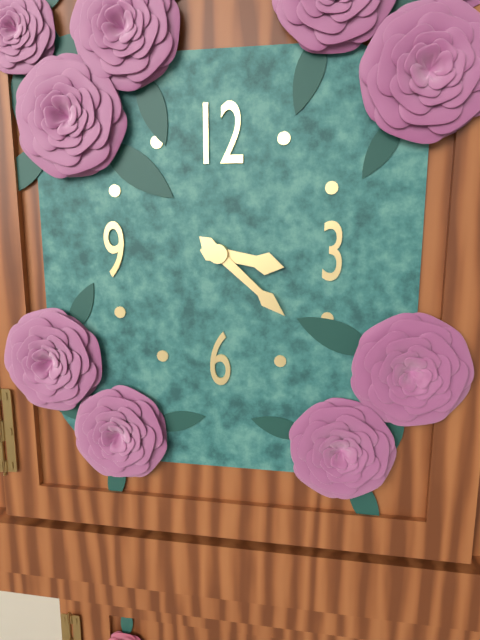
3:22
